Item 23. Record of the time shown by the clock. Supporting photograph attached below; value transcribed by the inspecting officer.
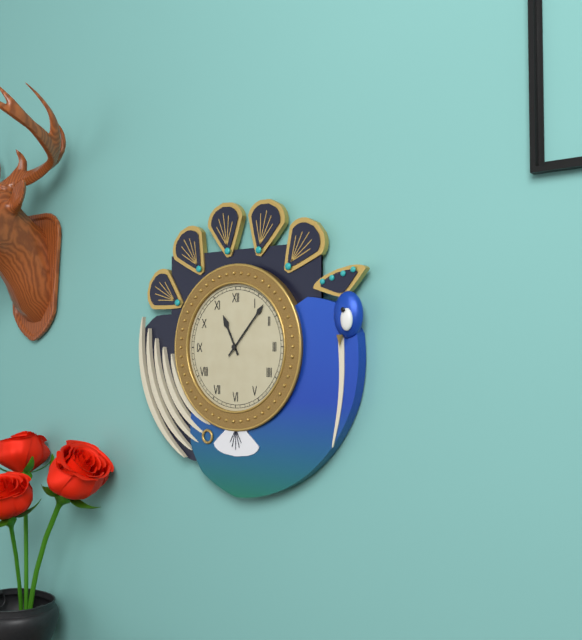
11:07
